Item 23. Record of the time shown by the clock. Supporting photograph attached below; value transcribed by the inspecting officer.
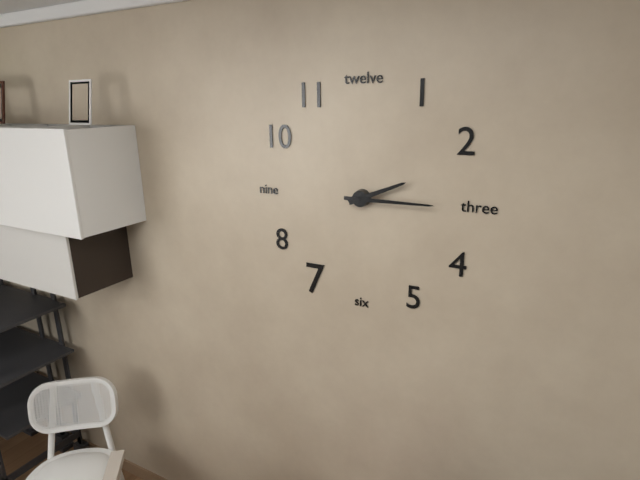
2:15
